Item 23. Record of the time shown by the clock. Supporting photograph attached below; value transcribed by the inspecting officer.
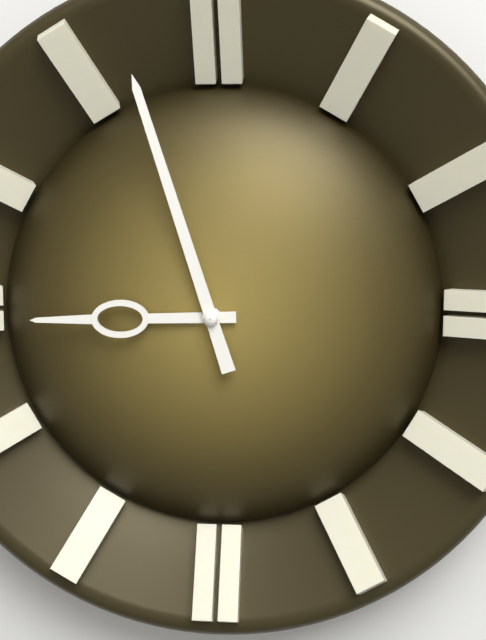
8:57
